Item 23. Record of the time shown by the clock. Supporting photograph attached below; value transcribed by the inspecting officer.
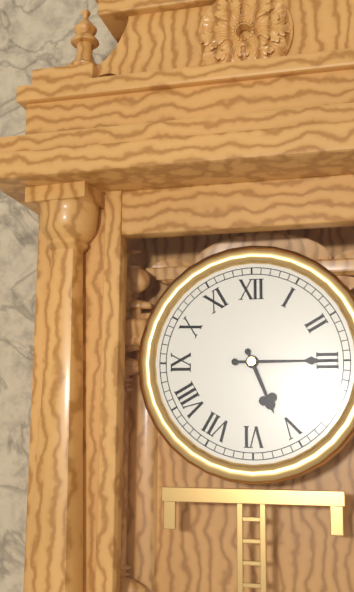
5:15
